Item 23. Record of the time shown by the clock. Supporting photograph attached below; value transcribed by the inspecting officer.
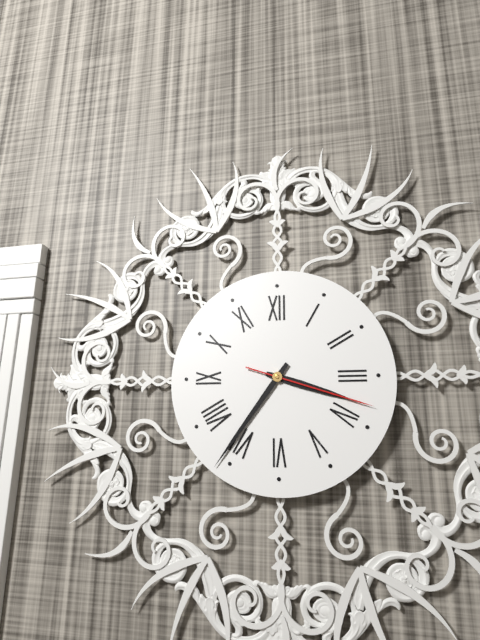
3:36:18
